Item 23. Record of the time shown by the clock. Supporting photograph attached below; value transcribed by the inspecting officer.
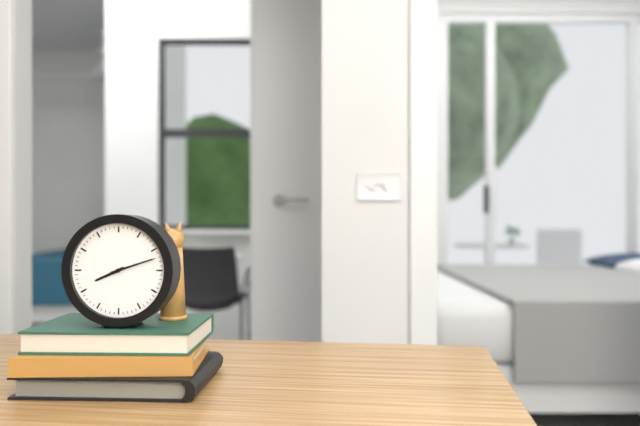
8:12
